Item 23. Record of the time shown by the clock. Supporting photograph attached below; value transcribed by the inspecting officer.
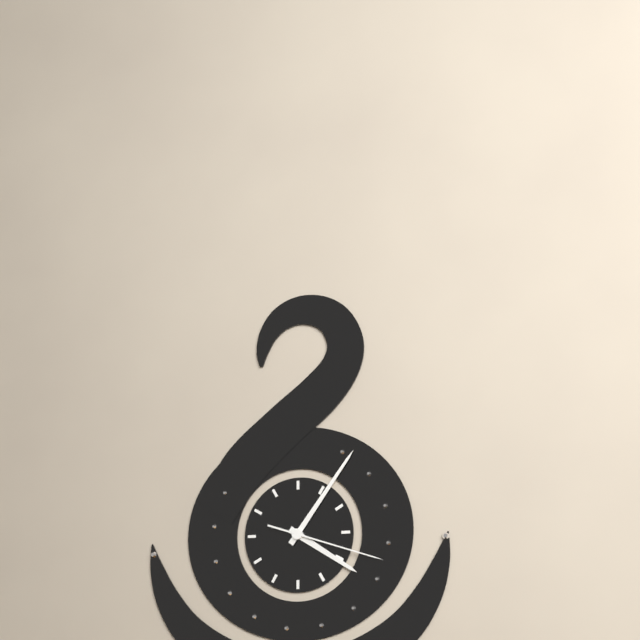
4:06:18
